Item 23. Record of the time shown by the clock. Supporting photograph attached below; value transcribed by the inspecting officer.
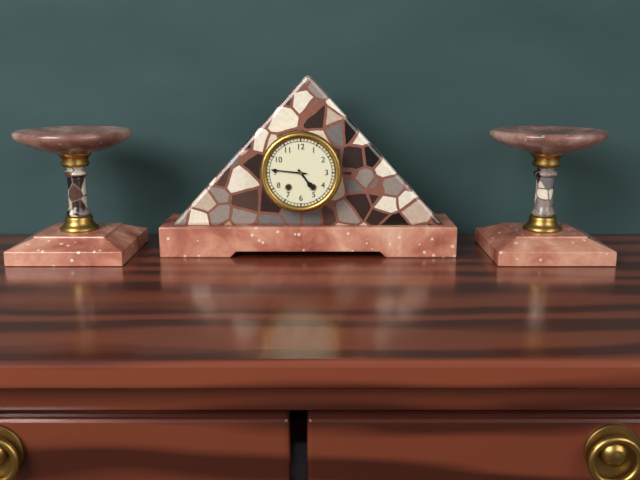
4:46
